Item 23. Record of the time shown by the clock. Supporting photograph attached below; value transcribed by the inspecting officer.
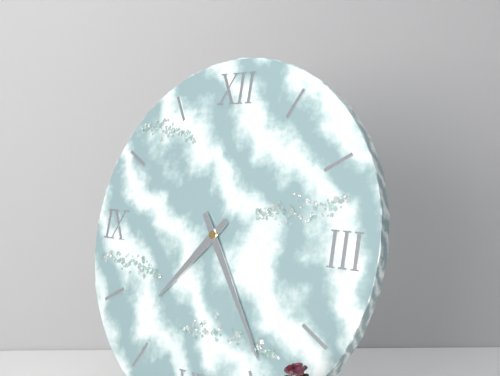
7:24
